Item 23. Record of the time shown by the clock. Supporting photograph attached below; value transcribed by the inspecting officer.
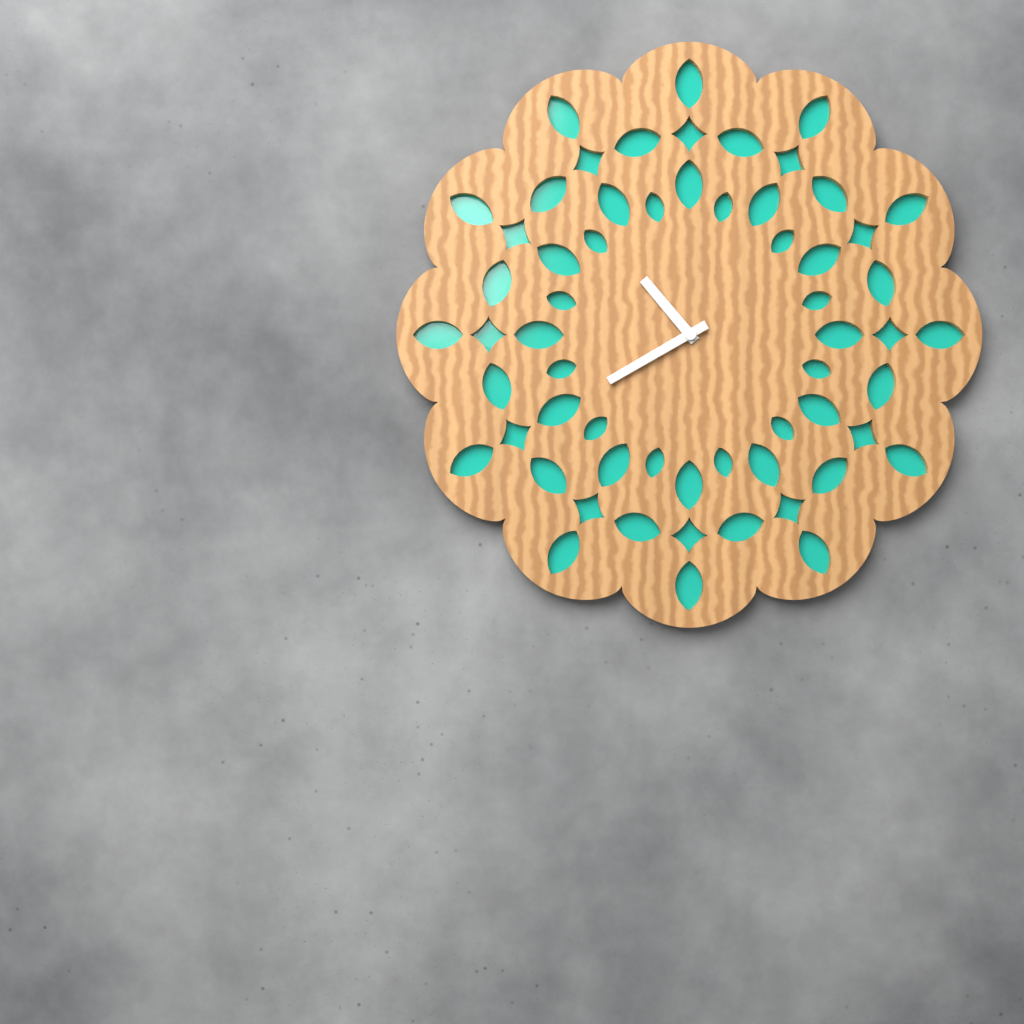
10:40
